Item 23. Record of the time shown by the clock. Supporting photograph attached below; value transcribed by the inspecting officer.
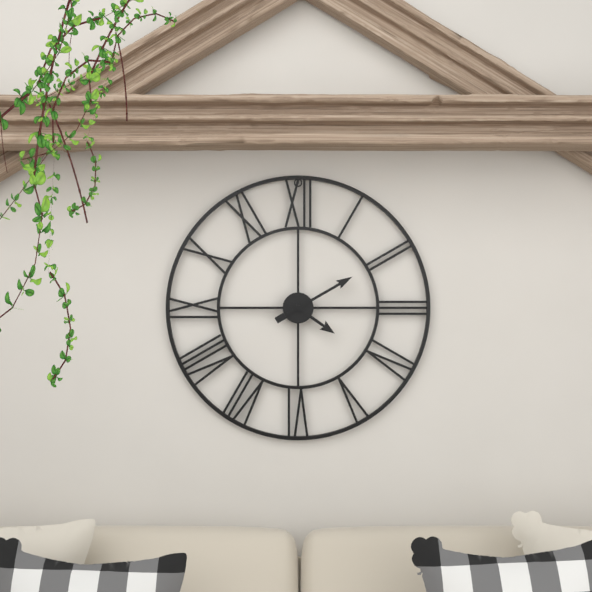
4:10
